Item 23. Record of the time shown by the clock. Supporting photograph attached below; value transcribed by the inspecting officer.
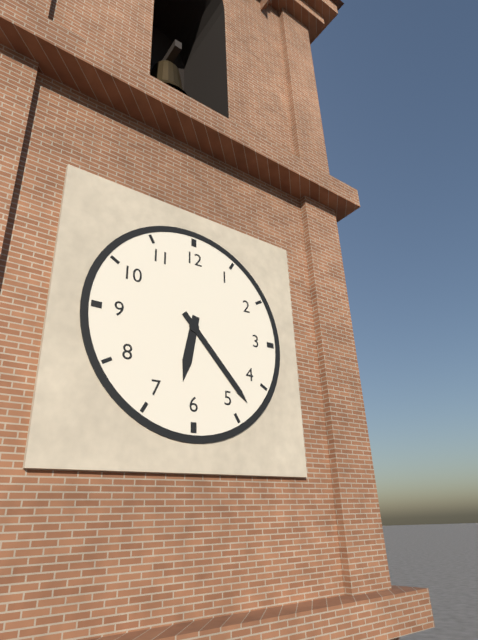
6:23
